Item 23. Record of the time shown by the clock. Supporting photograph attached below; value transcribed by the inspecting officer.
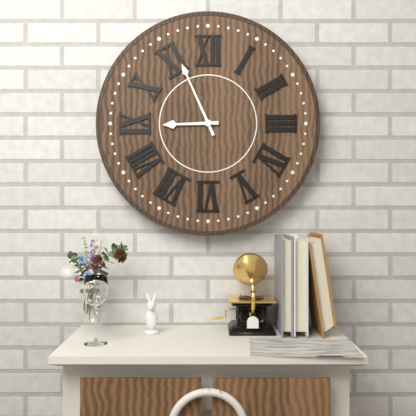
8:56
